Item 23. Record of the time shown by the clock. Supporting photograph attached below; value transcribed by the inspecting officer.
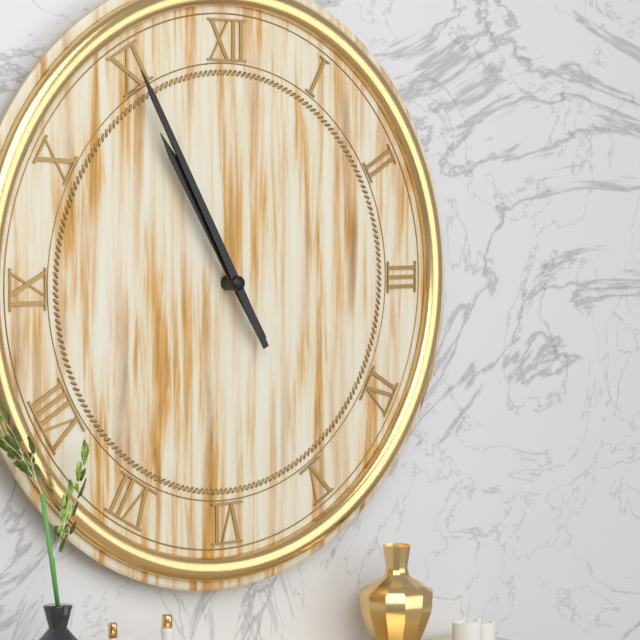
10:55
